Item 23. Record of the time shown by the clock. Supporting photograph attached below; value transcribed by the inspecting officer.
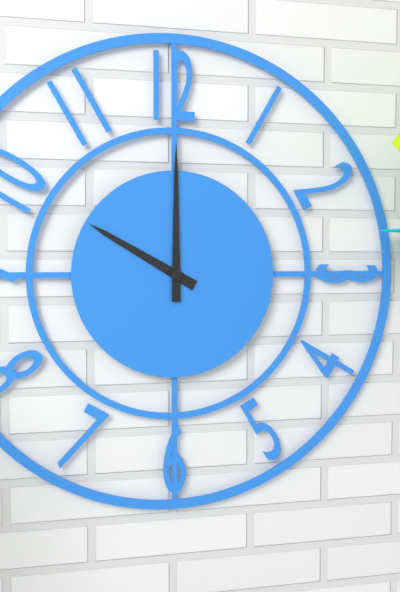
10:00
